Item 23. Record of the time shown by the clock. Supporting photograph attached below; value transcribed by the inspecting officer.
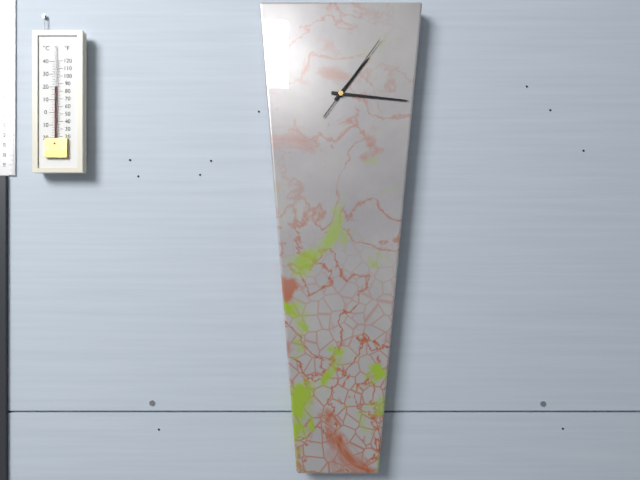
1:16:06
